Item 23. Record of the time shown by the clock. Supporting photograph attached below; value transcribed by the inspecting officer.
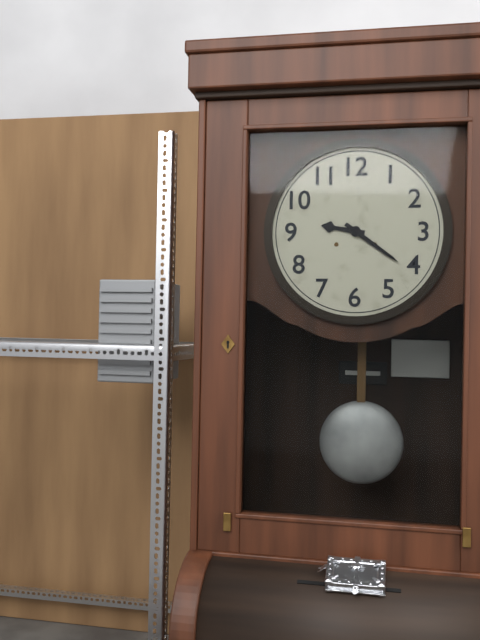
9:21
